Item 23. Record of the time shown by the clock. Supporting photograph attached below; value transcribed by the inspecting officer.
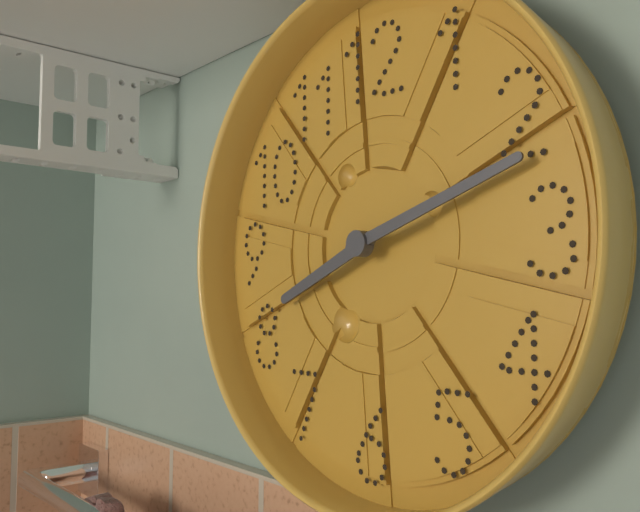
8:12
